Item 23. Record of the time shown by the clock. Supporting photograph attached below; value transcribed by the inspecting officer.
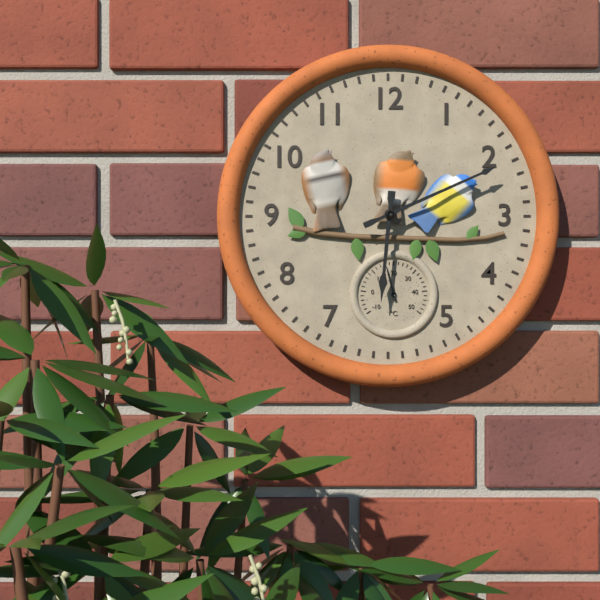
6:11
